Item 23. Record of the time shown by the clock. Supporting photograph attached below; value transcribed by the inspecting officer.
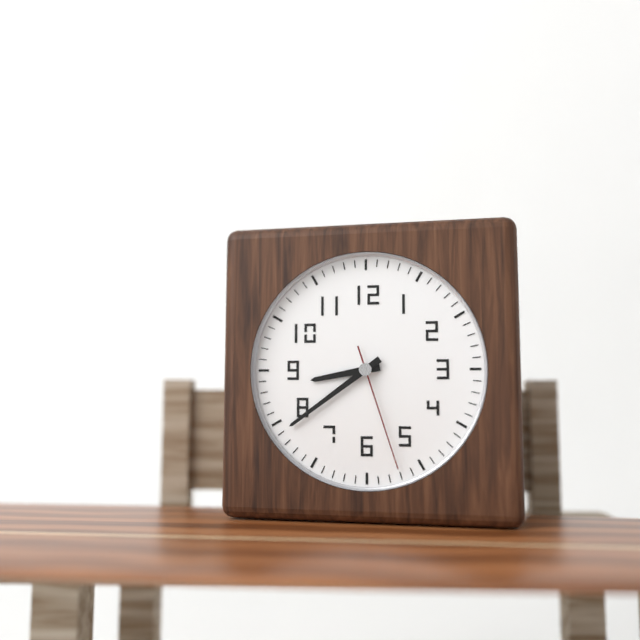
8:39:27
